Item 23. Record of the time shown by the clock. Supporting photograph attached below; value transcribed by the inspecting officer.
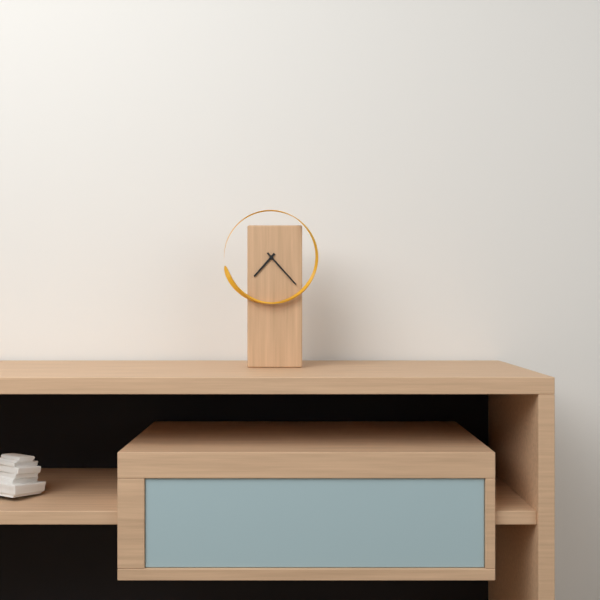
7:23
